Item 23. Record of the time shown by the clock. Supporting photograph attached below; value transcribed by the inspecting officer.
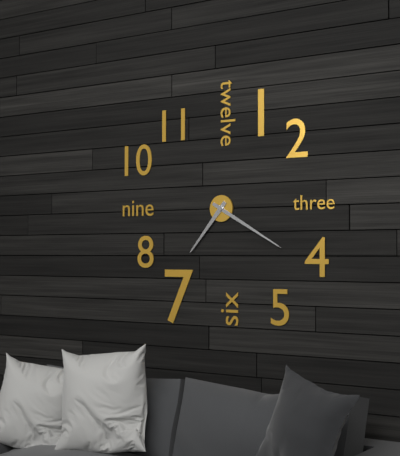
7:20
